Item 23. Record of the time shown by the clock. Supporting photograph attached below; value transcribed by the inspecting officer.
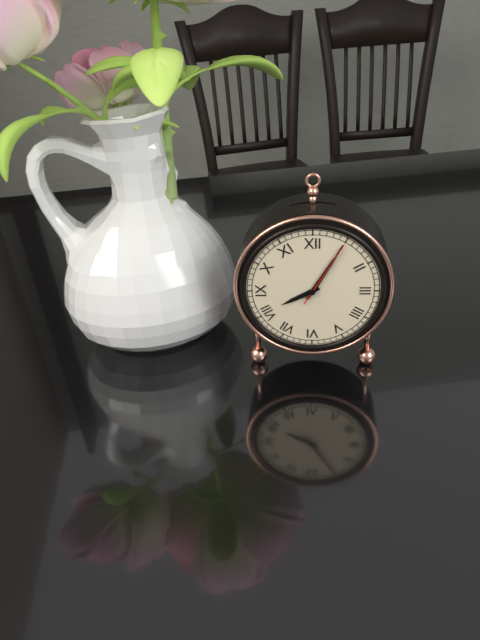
8:05:05
